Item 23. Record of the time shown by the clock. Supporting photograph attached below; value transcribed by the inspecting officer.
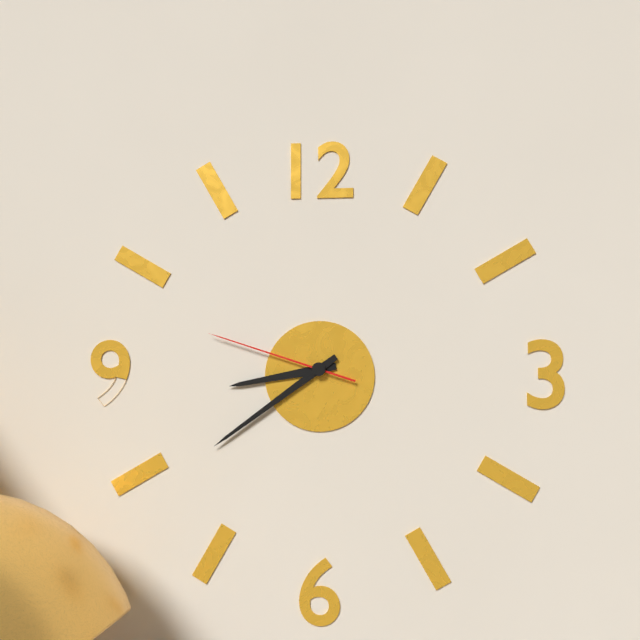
8:39:48
